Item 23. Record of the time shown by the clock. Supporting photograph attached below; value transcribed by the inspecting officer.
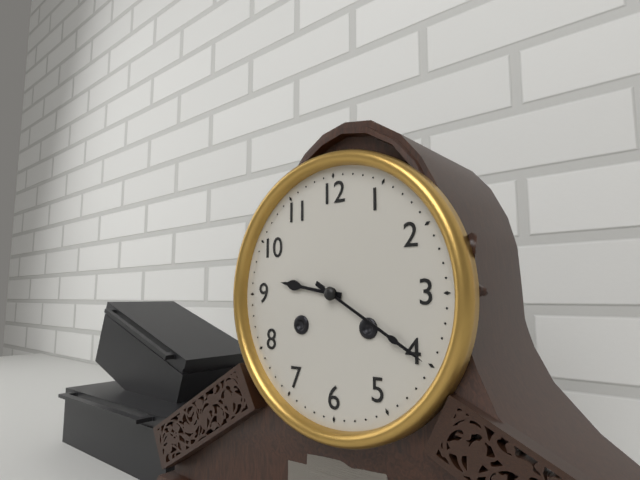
9:20
